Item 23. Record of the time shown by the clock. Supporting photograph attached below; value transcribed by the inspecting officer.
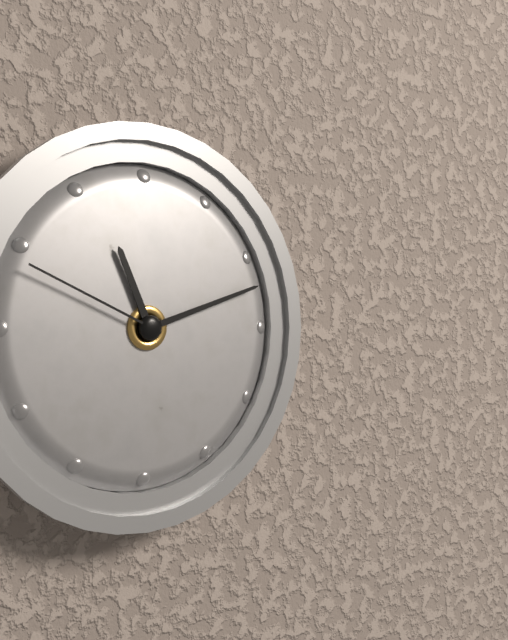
11:12:49
